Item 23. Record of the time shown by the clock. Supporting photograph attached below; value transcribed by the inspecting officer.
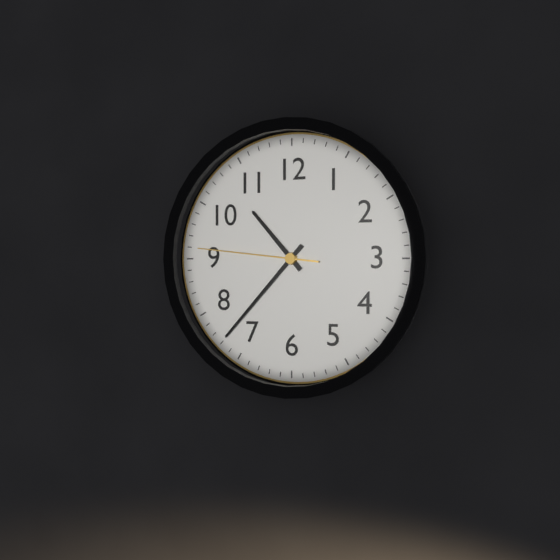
10:37:46
